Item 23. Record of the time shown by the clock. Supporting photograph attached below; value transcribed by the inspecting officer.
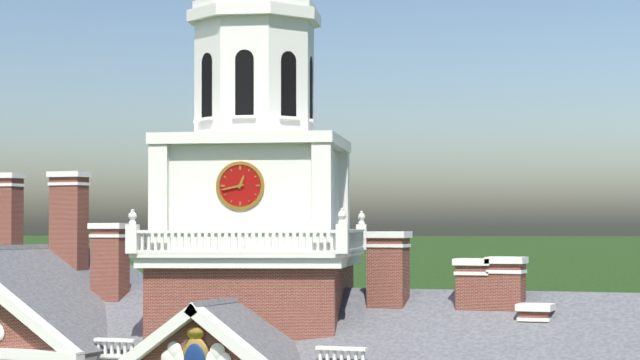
12:43
